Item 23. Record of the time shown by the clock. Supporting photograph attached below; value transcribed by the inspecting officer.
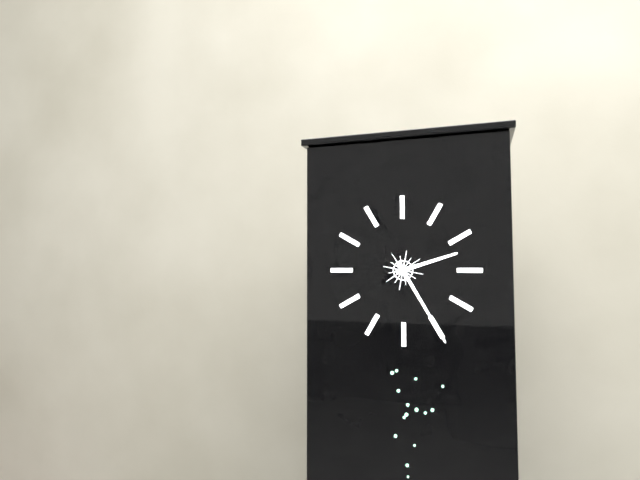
2:25
